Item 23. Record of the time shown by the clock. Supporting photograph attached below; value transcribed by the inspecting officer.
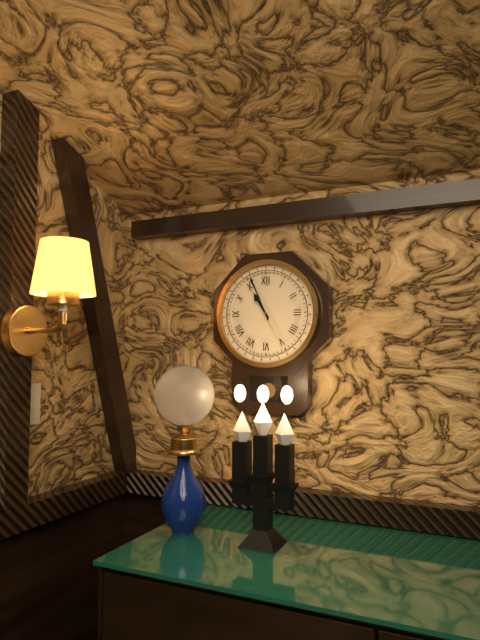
10:56
